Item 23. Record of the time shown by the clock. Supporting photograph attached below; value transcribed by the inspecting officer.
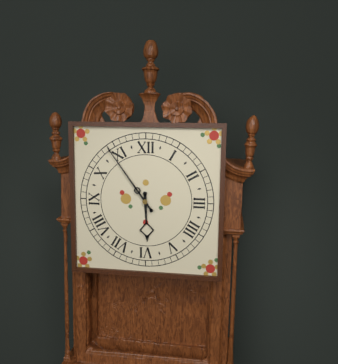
5:54
